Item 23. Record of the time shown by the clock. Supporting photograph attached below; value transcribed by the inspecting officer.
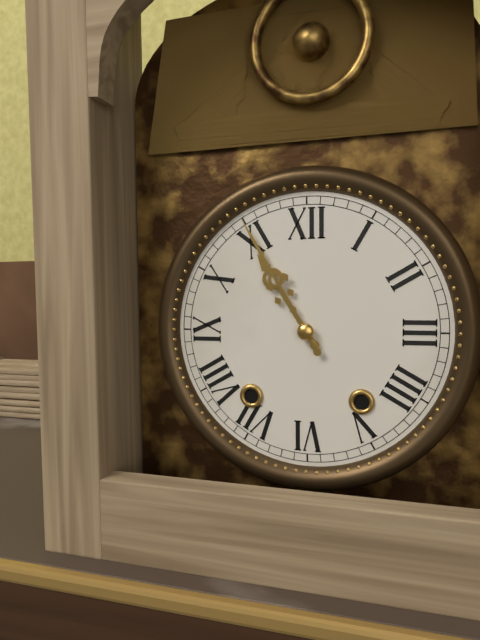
10:55
